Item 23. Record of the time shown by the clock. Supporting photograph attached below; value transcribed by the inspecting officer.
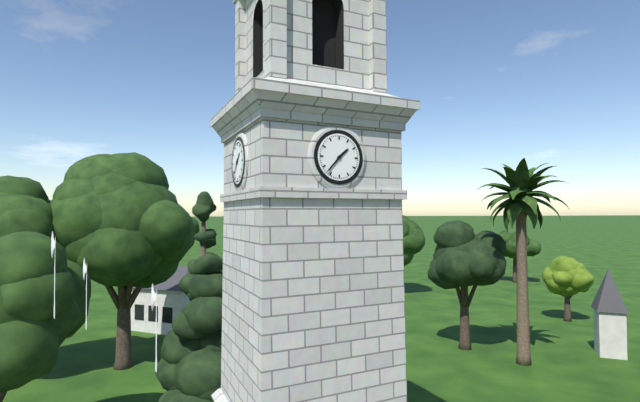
1:37
